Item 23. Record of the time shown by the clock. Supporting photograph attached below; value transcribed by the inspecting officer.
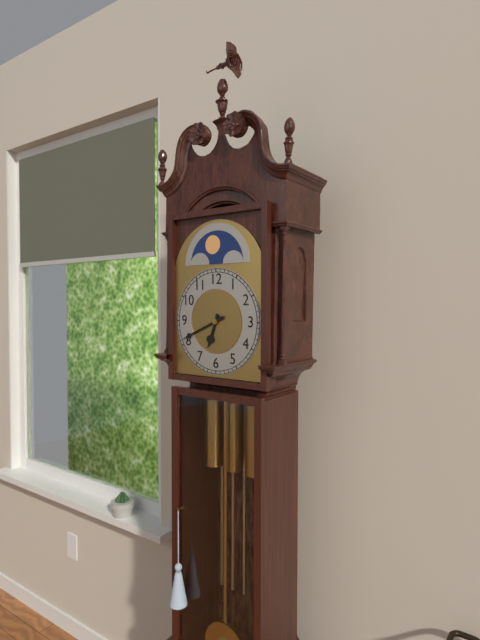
6:41
